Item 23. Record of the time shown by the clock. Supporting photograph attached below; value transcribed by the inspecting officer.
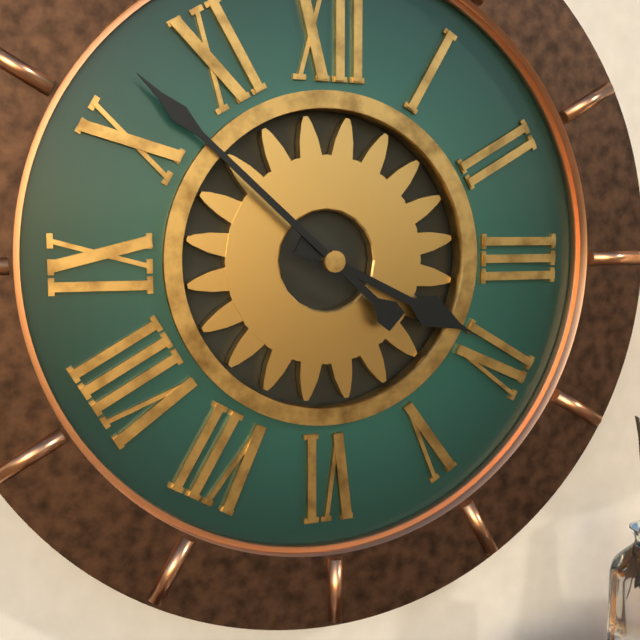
3:52
